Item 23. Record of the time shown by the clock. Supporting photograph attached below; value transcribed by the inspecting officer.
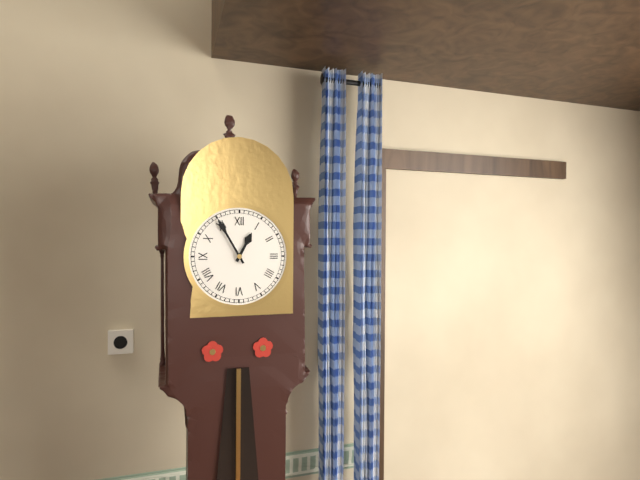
12:55
